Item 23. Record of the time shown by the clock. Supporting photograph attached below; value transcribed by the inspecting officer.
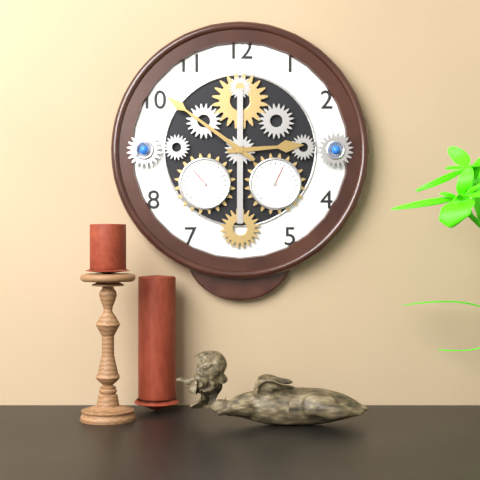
2:51
